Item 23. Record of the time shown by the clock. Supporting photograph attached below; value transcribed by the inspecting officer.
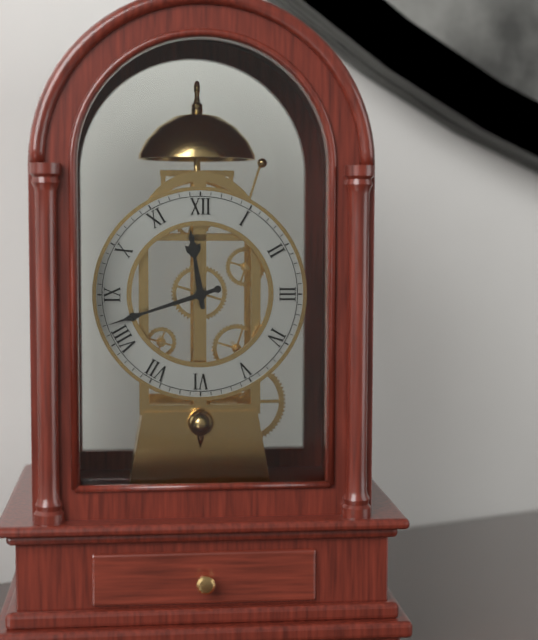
11:42
